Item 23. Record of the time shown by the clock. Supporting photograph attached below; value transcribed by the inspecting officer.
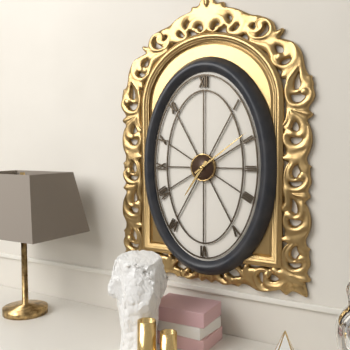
7:09
